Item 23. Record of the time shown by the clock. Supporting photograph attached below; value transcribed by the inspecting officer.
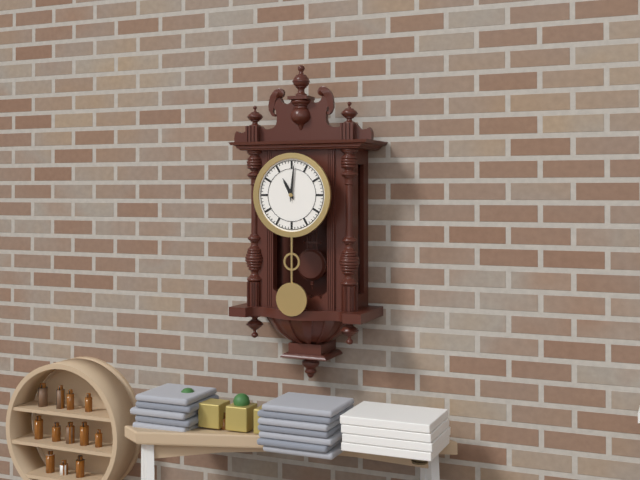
11:01
